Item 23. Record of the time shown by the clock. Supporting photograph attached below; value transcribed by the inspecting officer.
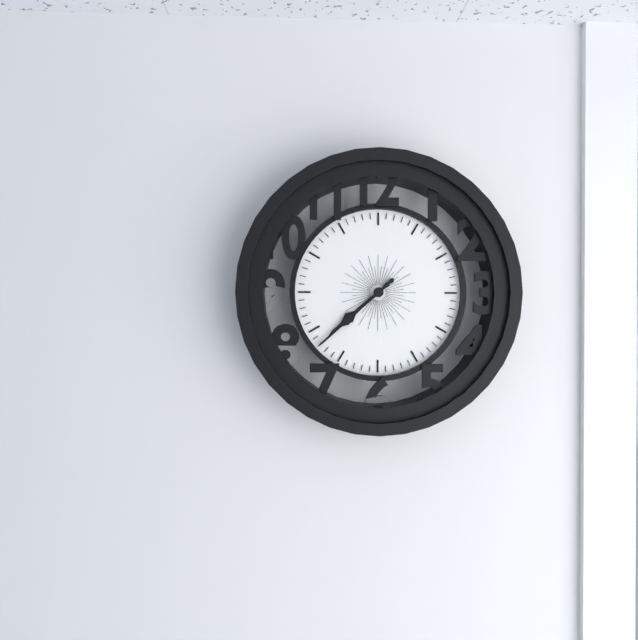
7:38
